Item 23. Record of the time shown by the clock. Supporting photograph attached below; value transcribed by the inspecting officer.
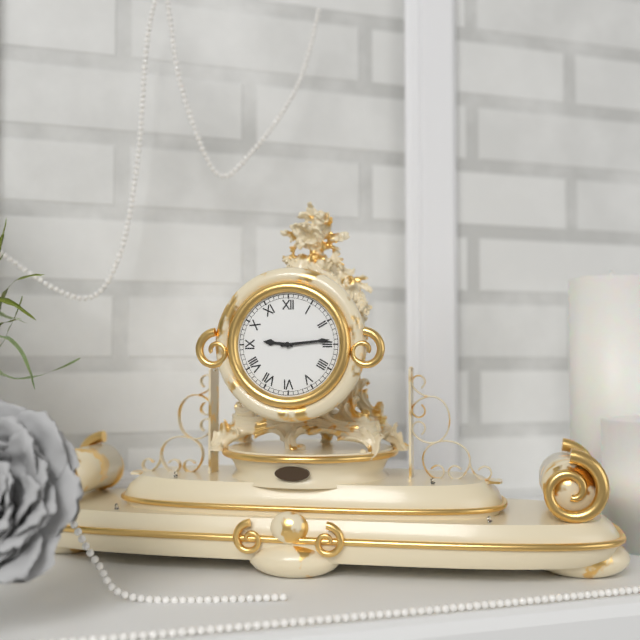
9:14
